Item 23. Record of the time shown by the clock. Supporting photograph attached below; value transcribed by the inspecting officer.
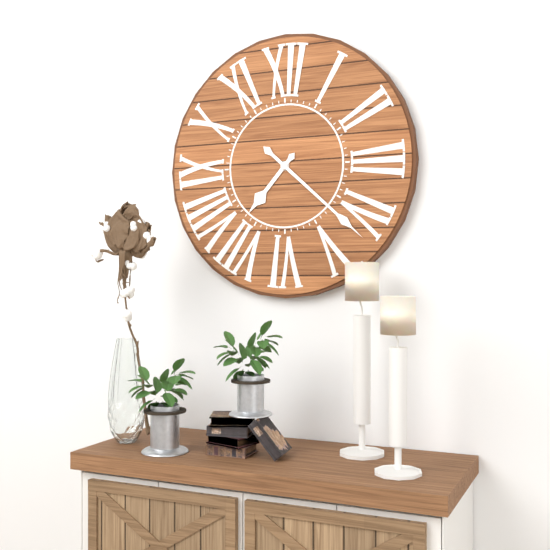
7:22
